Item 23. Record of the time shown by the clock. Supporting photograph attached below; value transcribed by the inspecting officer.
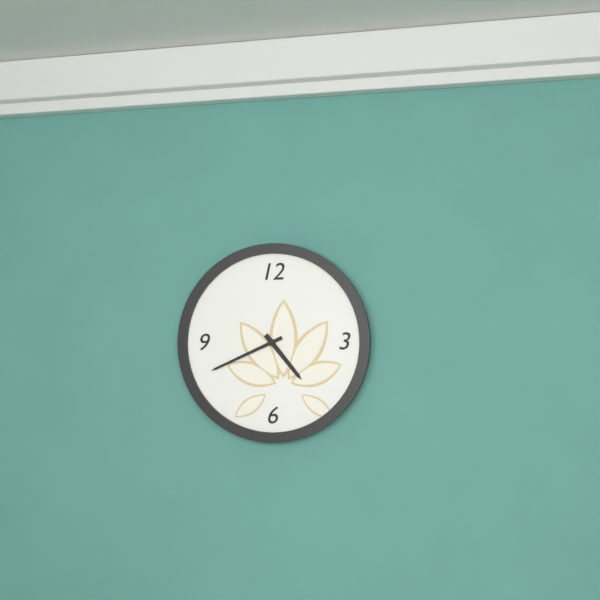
4:41
